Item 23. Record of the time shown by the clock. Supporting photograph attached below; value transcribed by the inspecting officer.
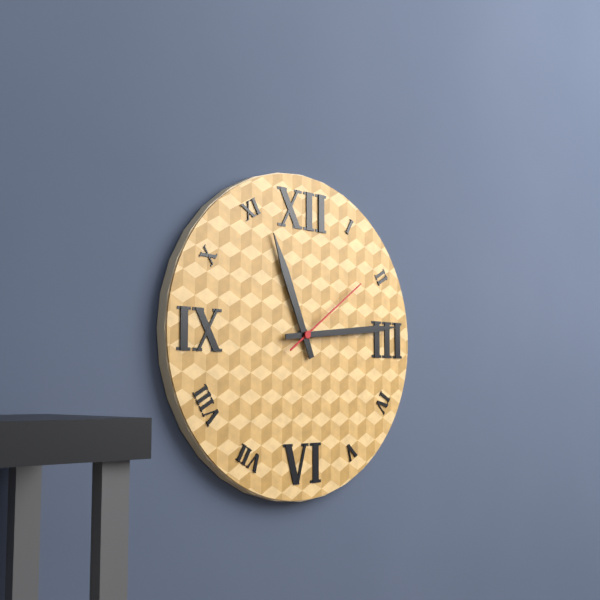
11:14:09
